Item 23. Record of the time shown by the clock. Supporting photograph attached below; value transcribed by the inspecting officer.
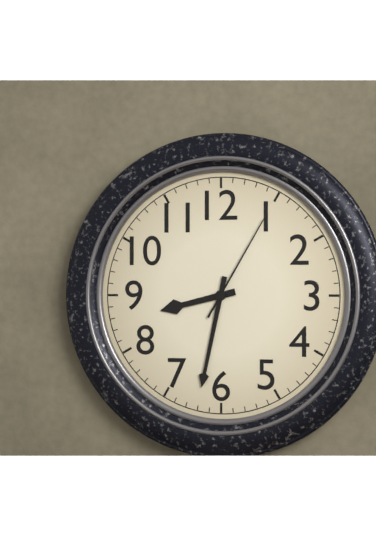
8:32:05
